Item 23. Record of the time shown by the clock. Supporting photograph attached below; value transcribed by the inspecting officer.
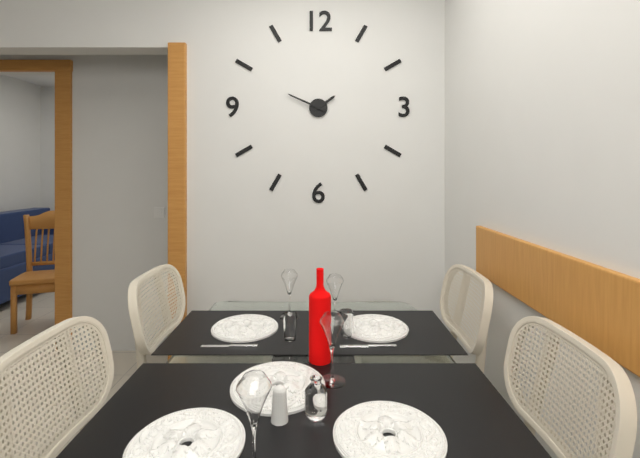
1:49
